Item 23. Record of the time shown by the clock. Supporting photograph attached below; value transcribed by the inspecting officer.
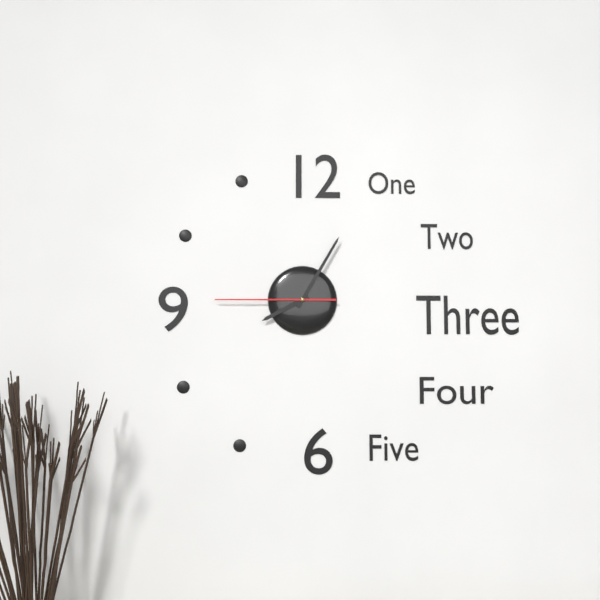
8:05:45
